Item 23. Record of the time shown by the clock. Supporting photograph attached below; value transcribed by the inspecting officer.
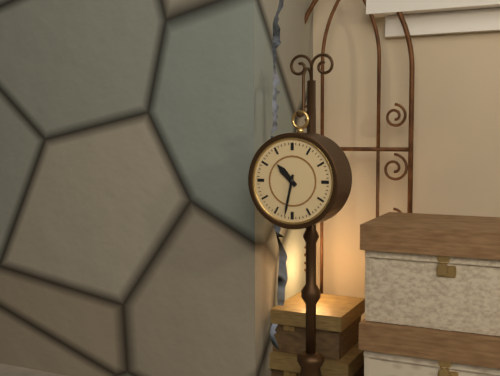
10:32
